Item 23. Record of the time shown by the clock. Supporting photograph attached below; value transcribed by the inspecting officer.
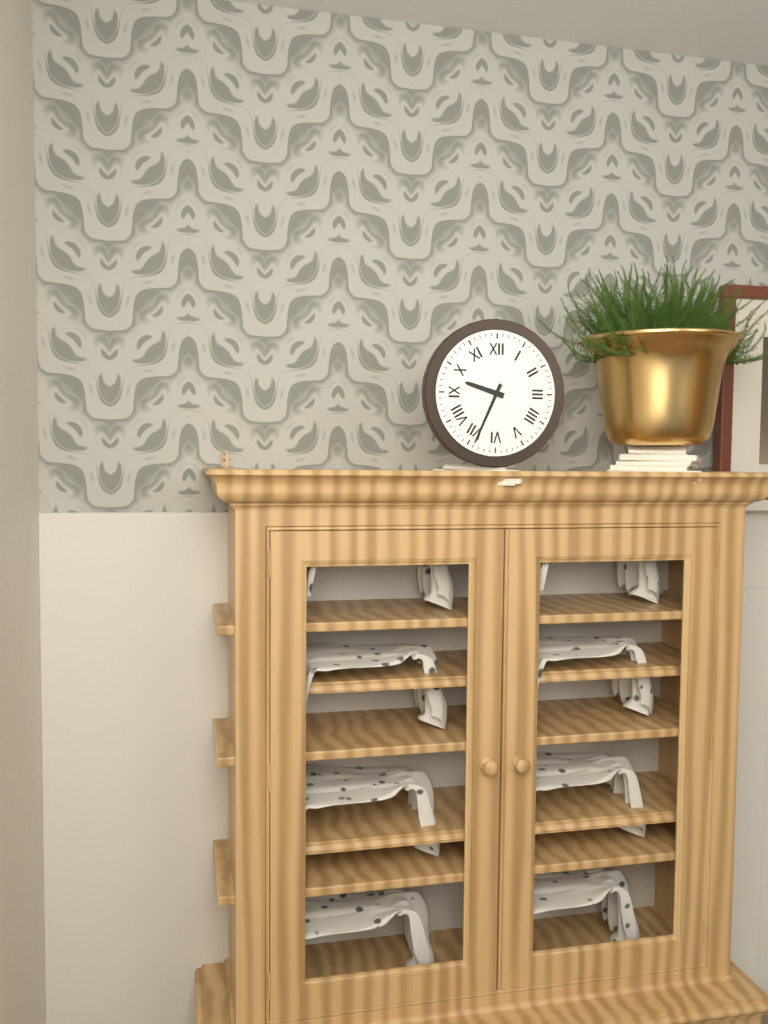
9:34
